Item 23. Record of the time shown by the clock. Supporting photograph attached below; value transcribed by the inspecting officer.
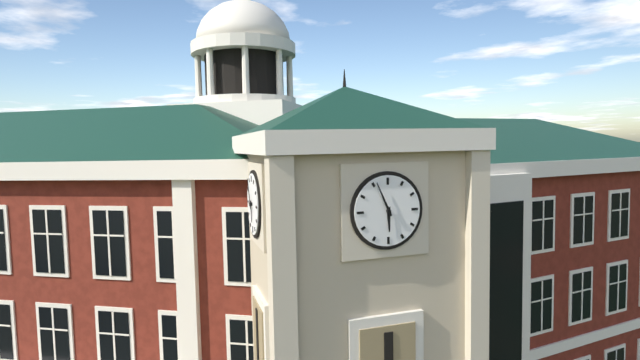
5:56
